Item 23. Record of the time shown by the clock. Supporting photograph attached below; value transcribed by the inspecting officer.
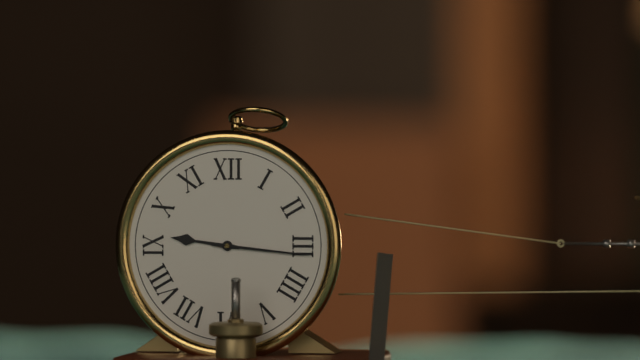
9:16
